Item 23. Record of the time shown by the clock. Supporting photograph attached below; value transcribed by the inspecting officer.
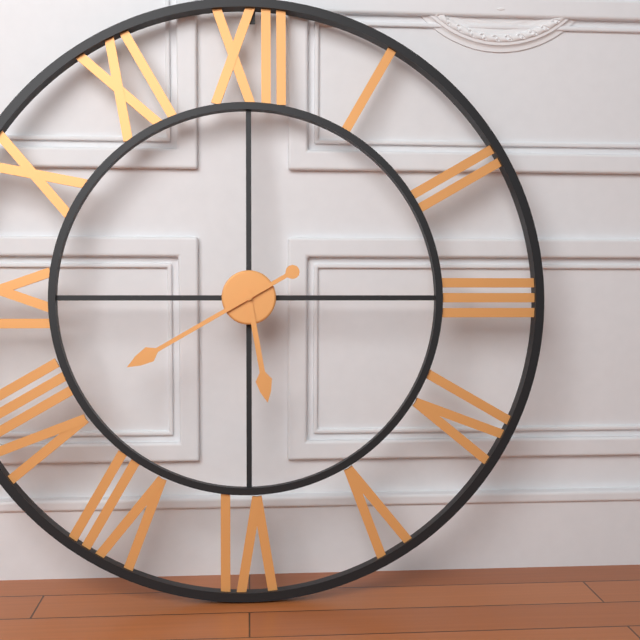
5:40
